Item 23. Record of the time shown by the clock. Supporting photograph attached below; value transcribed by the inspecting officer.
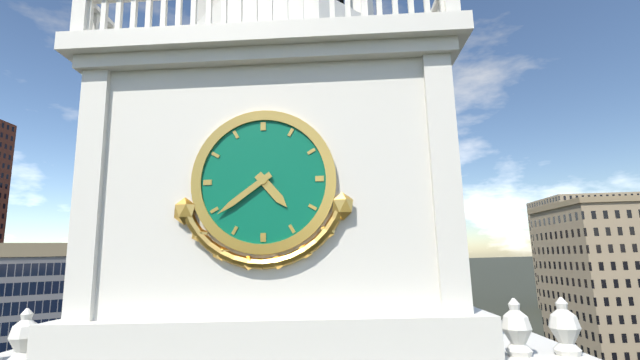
4:39
